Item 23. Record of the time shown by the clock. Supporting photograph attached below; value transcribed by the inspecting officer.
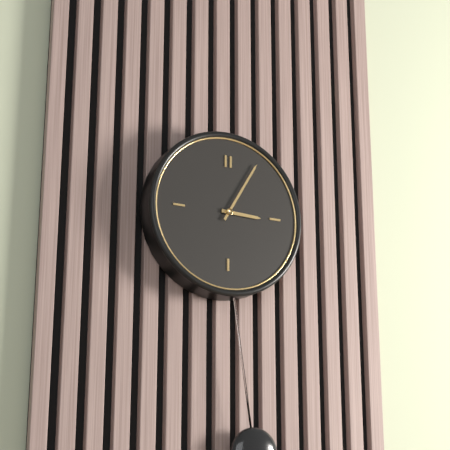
3:05
